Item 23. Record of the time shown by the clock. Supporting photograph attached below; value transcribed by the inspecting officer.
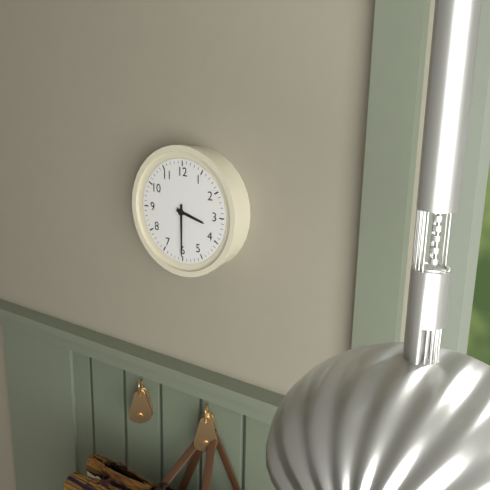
3:30
